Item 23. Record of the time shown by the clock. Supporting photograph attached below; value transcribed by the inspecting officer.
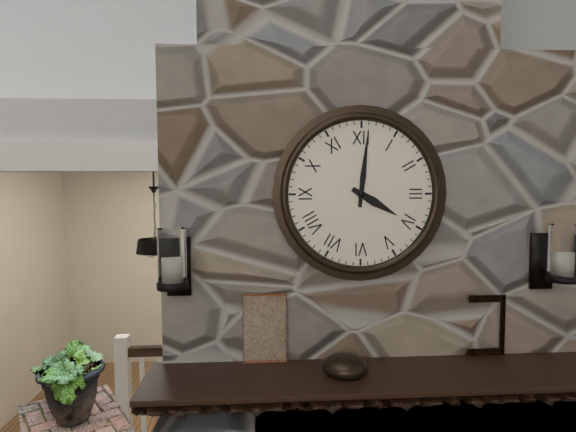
4:01
